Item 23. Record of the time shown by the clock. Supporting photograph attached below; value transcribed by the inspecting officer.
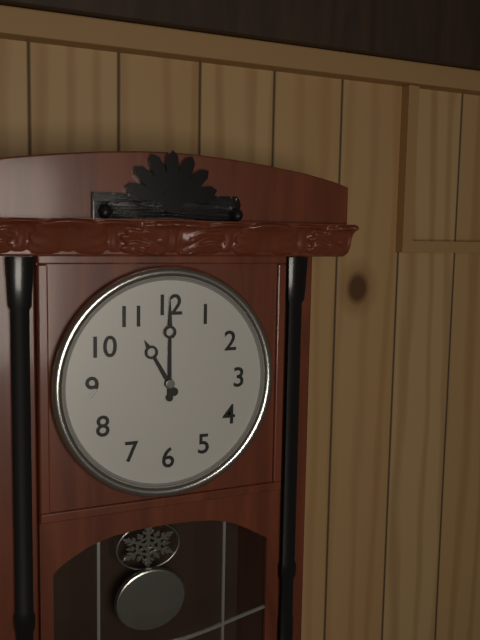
11:00
